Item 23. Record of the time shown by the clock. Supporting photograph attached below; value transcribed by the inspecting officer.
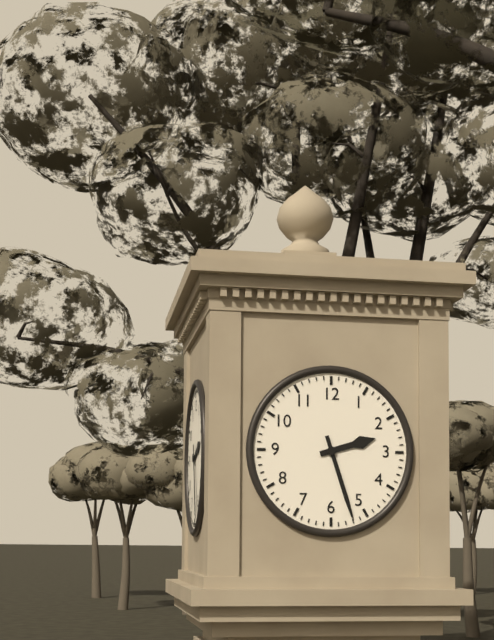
2:27
